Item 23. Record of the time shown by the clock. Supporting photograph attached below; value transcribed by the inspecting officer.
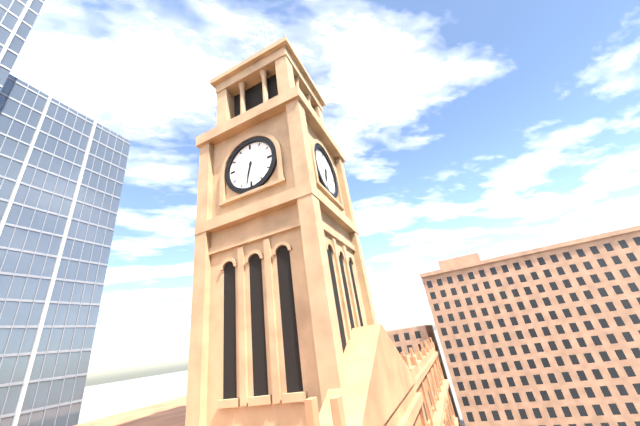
6:32
